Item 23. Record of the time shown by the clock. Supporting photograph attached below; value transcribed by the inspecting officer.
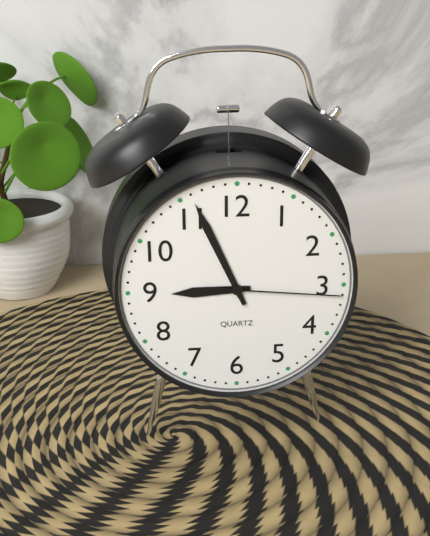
8:56:16
